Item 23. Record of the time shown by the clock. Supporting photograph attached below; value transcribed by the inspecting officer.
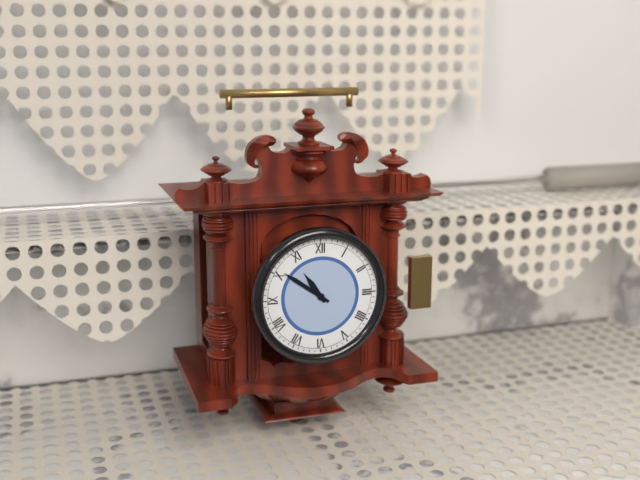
10:51
